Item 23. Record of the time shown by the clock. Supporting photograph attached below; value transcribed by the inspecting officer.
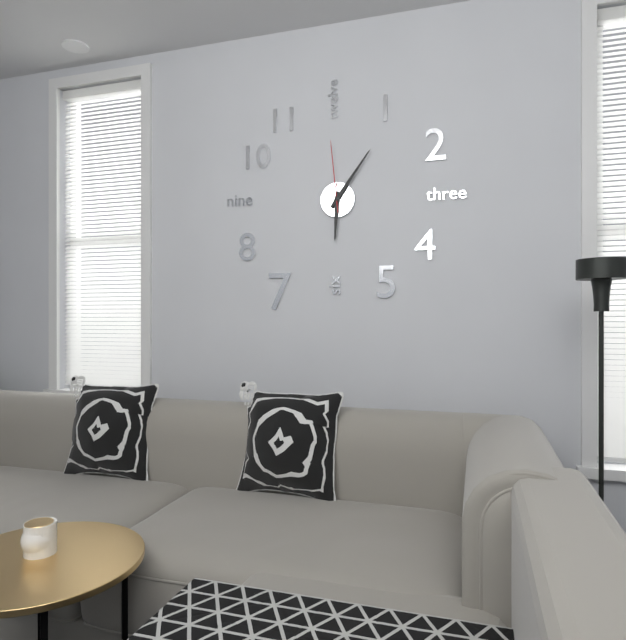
6:06:59
